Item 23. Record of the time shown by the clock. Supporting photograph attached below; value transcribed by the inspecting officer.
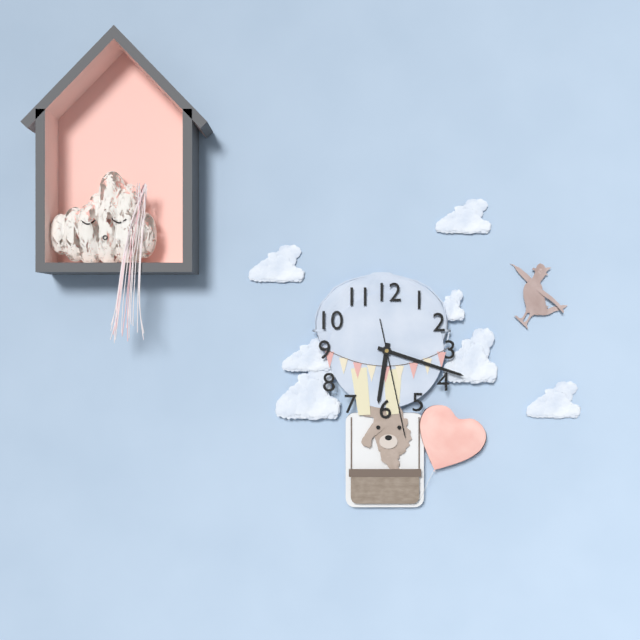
6:18:28
